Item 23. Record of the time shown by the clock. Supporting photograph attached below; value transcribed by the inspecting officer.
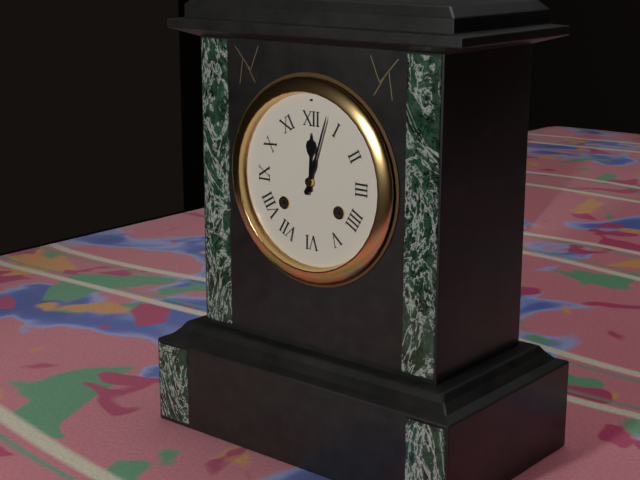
12:03
